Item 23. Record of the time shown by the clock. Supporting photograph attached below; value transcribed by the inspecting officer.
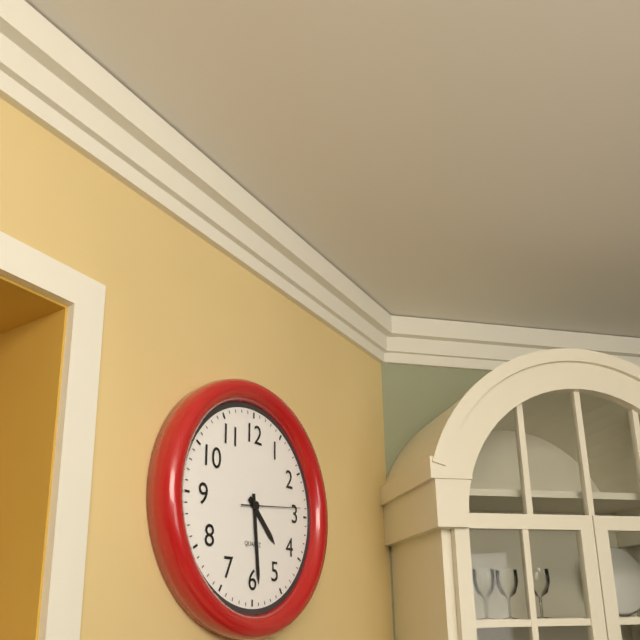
4:29:14
